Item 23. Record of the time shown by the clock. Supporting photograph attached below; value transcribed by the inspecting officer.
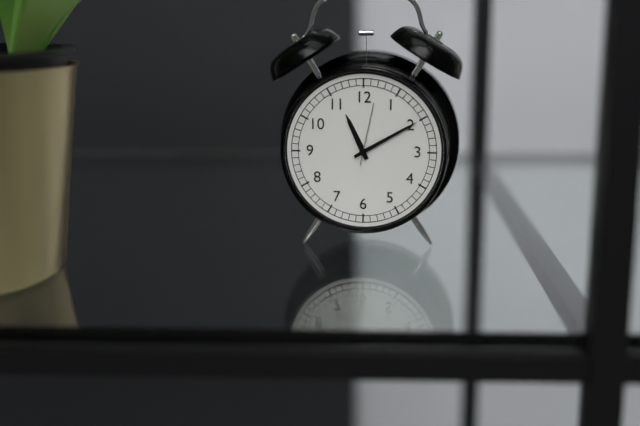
11:10:02
